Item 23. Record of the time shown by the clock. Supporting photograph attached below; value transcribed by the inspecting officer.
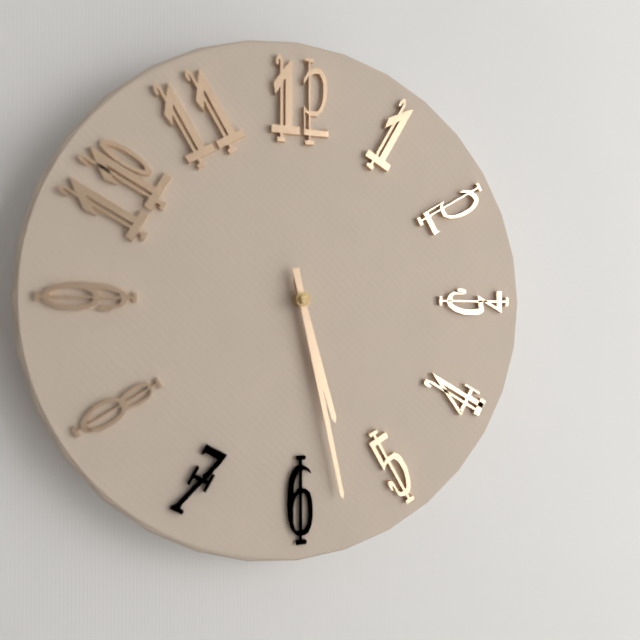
5:28
